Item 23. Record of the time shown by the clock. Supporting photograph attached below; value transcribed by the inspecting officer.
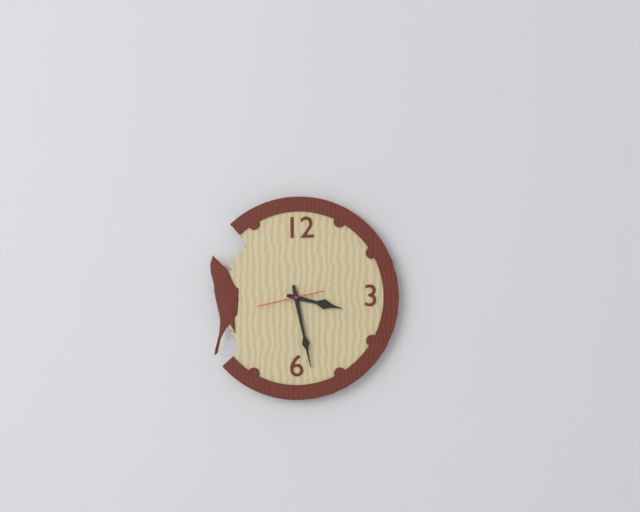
3:28:43
